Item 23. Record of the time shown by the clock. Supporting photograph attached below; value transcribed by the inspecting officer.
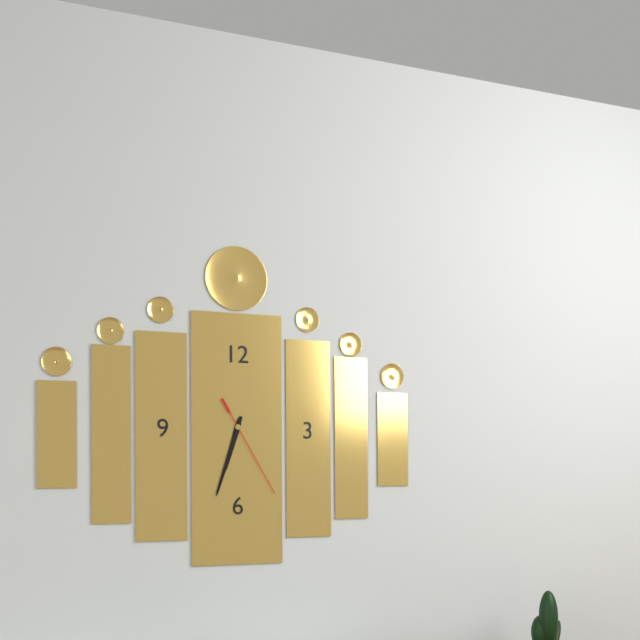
6:33:25
